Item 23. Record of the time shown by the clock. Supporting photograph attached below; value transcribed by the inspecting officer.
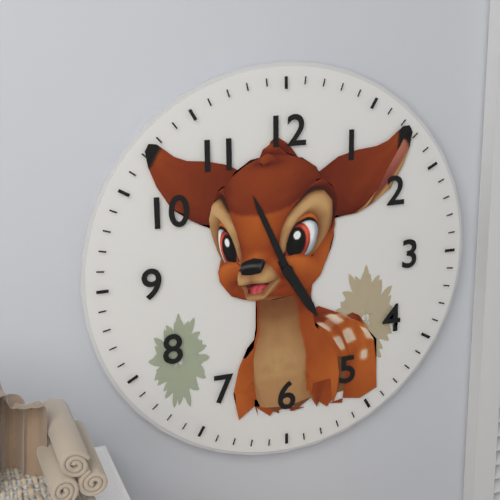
4:56
